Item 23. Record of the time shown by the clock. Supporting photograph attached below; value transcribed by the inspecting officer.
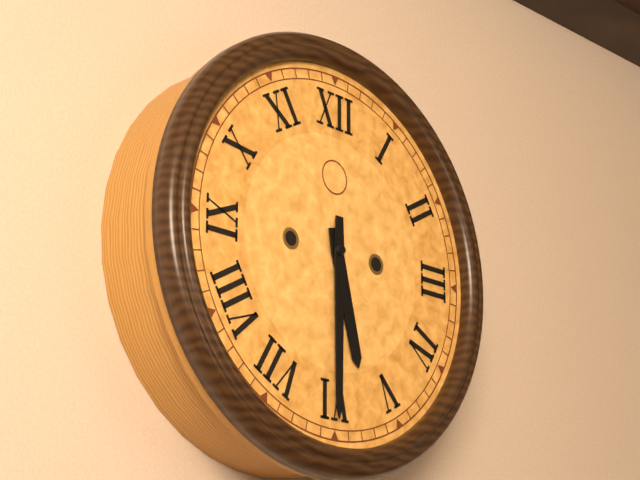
5:30
